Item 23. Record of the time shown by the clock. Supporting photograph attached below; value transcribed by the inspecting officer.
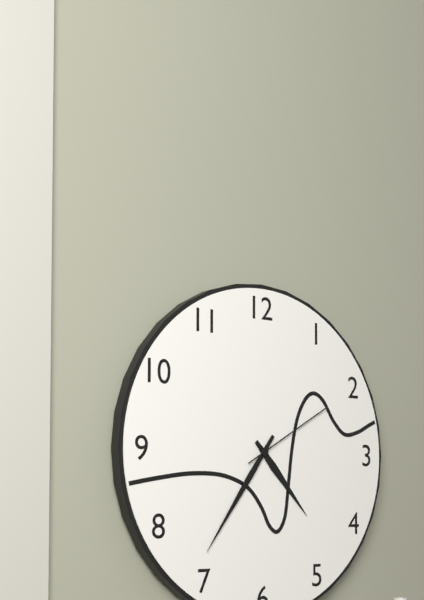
4:36:10
